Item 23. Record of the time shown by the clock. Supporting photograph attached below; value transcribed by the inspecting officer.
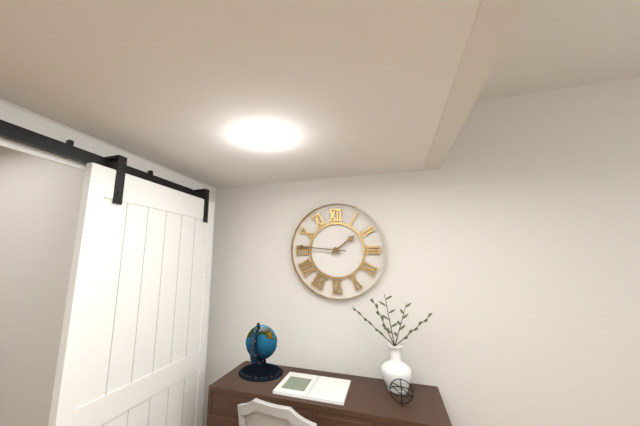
1:46
